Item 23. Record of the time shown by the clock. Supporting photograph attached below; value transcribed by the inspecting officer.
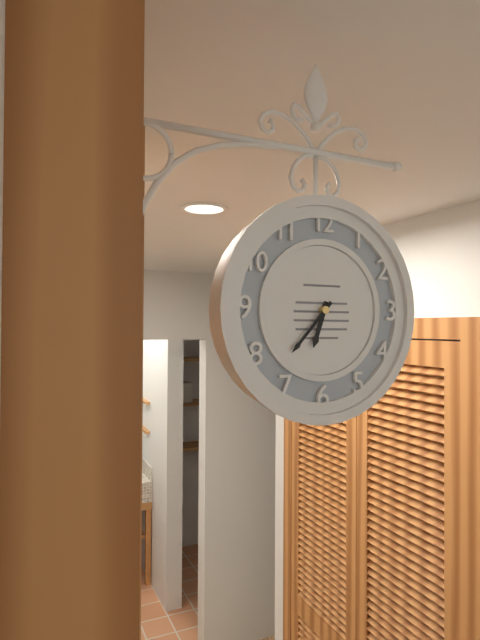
6:37
